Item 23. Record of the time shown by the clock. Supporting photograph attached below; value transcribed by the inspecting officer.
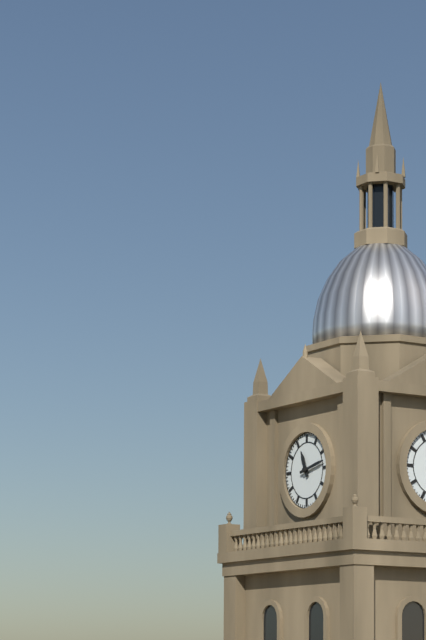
11:13
